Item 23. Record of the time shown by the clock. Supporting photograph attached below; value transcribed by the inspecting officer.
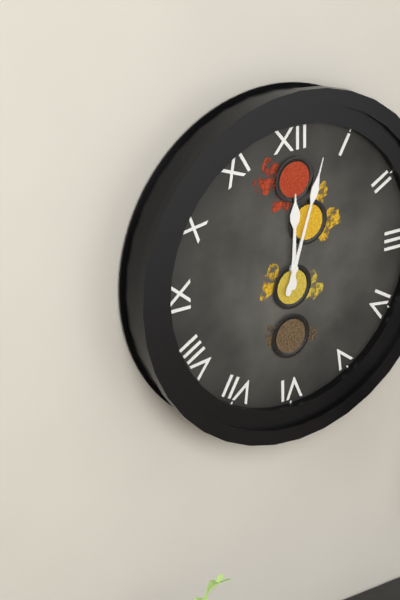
12:03
